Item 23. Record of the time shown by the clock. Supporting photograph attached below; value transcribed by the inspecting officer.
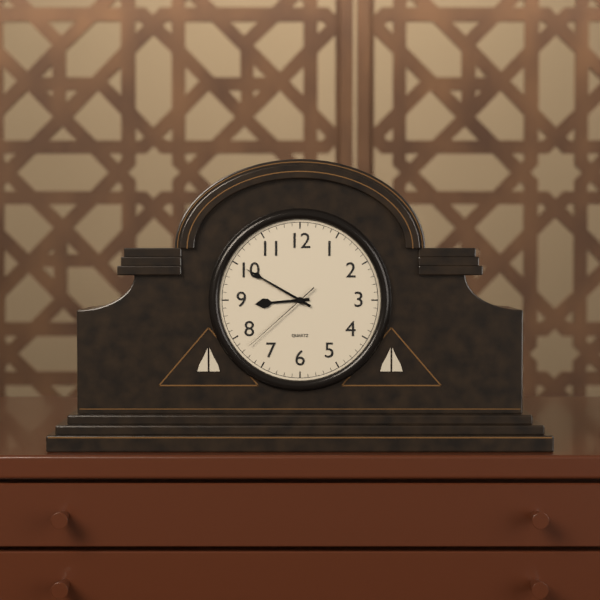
8:50:38
